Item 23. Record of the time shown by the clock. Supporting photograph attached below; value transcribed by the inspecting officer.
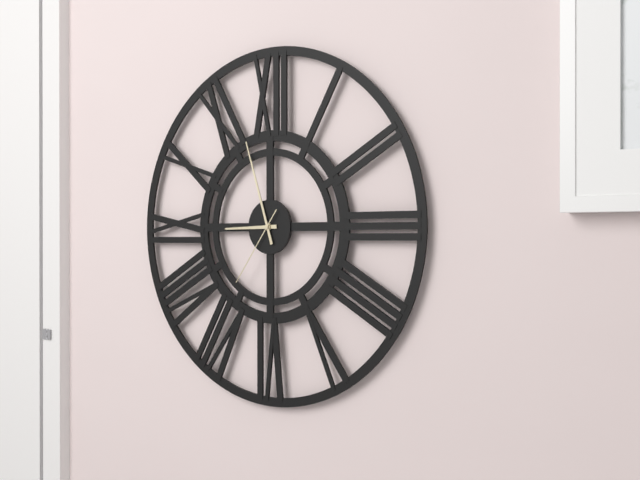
8:57:36
